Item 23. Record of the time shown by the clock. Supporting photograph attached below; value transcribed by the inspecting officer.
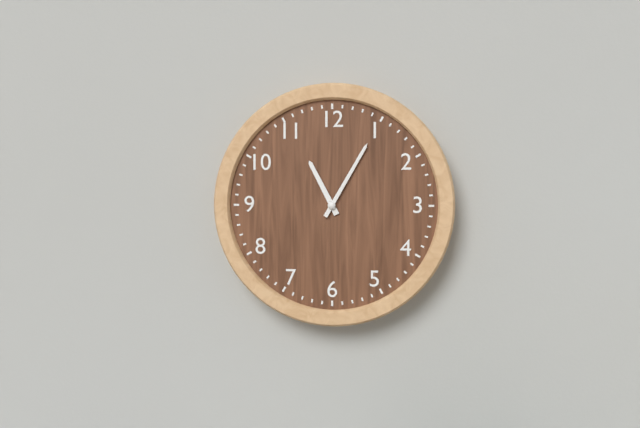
11:05
